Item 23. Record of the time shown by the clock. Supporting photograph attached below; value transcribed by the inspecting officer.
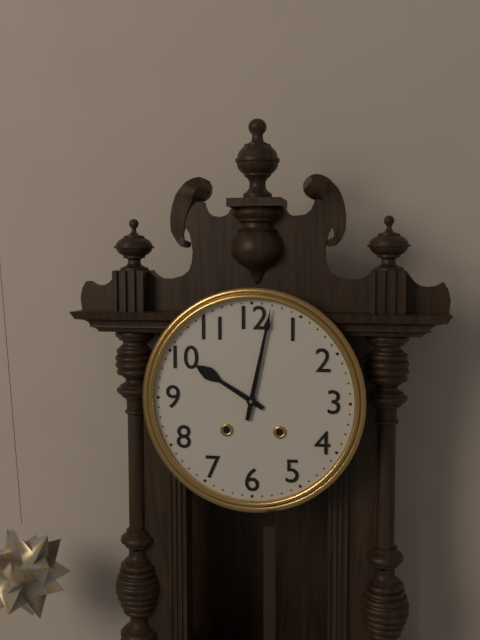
10:02
